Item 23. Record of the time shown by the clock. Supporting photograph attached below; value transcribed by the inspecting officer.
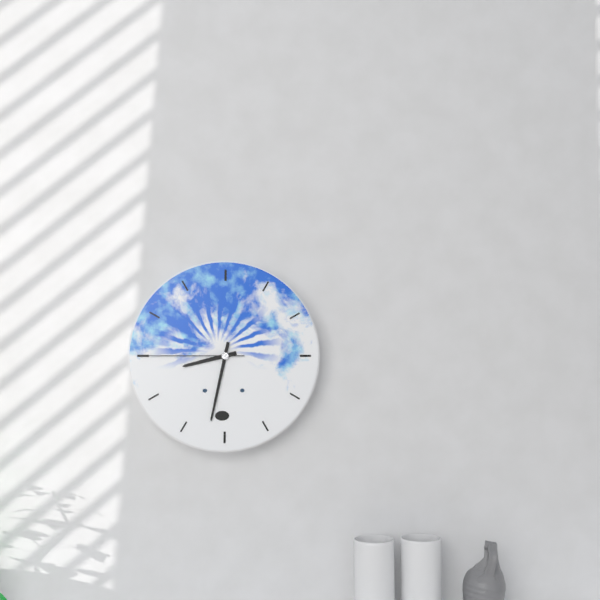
8:32:45
